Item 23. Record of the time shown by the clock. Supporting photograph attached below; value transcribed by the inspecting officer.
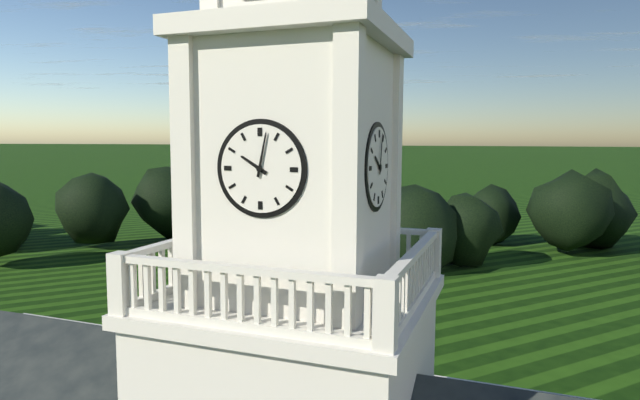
10:02
